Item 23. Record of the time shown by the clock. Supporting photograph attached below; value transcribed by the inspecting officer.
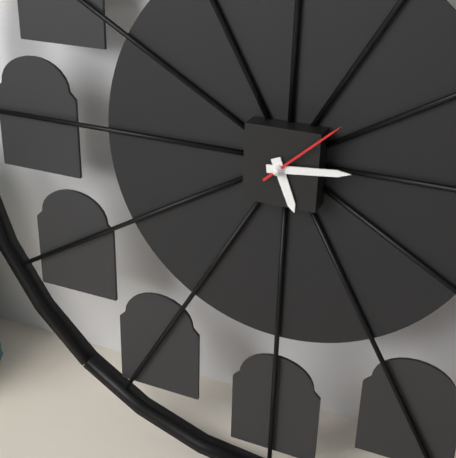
5:14:08
